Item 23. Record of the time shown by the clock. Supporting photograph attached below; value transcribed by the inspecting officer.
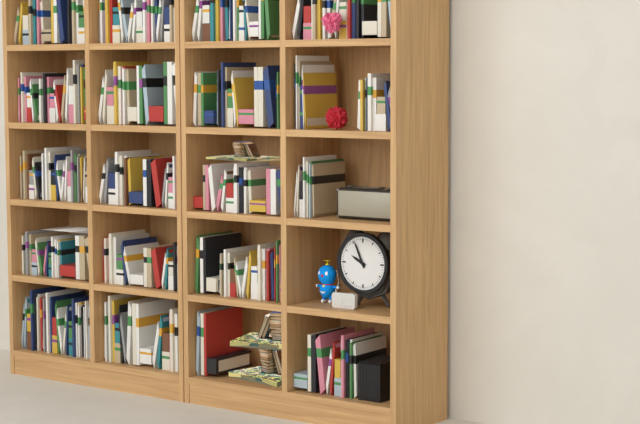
9:56
